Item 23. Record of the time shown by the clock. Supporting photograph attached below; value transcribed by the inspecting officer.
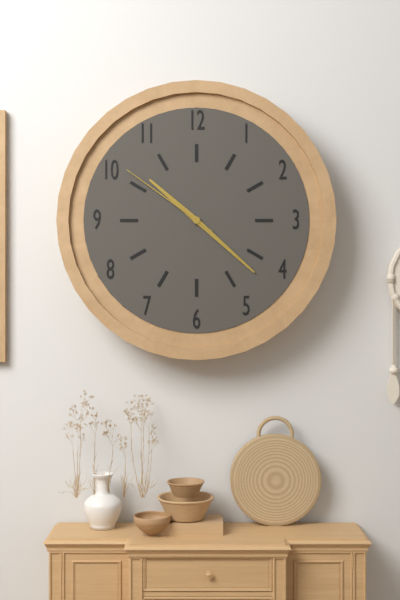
10:22:51
